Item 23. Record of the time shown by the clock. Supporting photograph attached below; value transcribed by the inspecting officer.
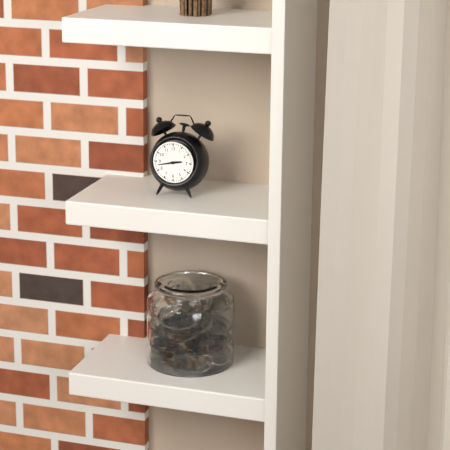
2:43
